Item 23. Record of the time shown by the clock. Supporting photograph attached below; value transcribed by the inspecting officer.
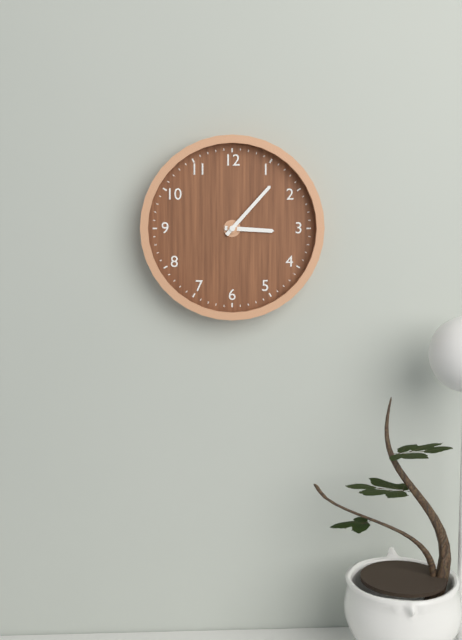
3:07
